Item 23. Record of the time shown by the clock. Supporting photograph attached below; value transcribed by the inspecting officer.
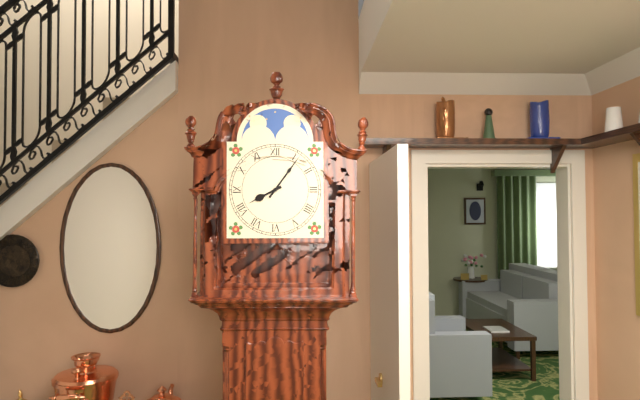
8:06
